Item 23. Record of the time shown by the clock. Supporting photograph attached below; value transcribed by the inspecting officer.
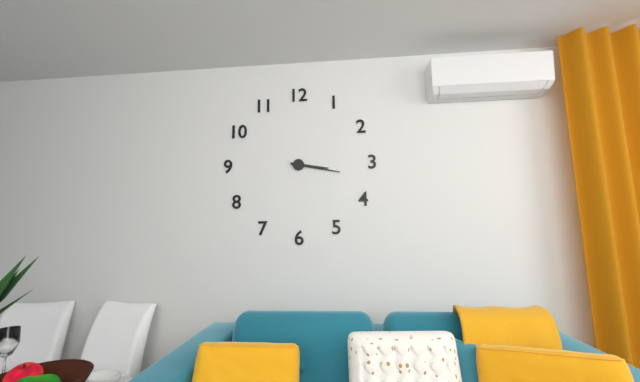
3:17
